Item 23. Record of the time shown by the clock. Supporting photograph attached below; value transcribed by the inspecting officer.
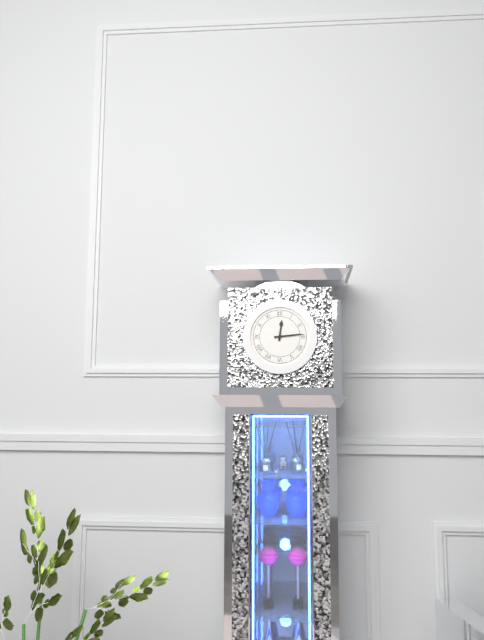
12:14
